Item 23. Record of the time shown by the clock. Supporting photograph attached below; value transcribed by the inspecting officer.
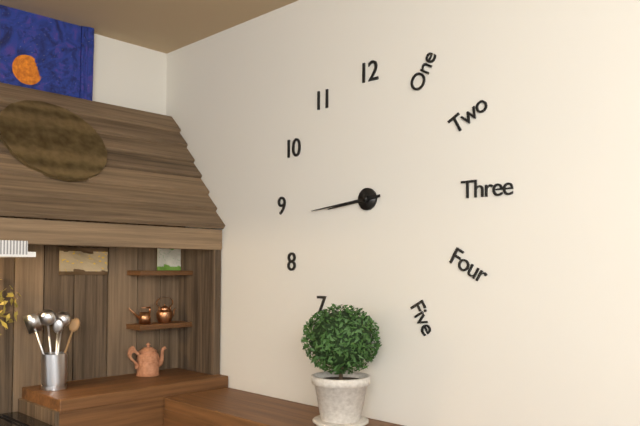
8:44
